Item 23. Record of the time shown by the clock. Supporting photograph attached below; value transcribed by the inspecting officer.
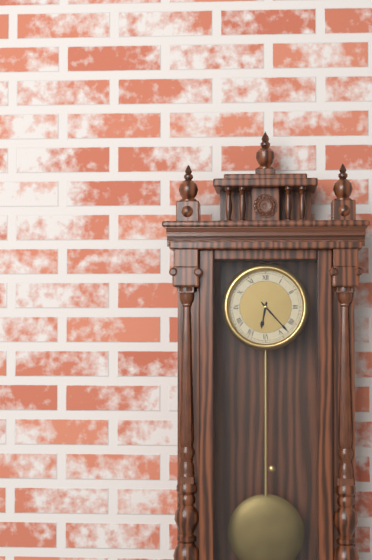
6:23
